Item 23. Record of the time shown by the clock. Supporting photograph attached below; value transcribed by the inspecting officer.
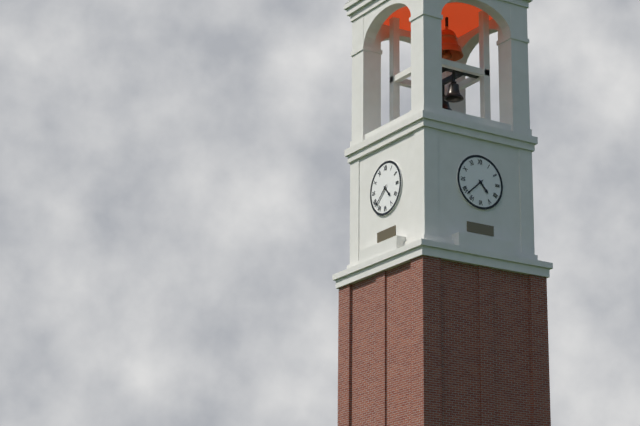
4:38
